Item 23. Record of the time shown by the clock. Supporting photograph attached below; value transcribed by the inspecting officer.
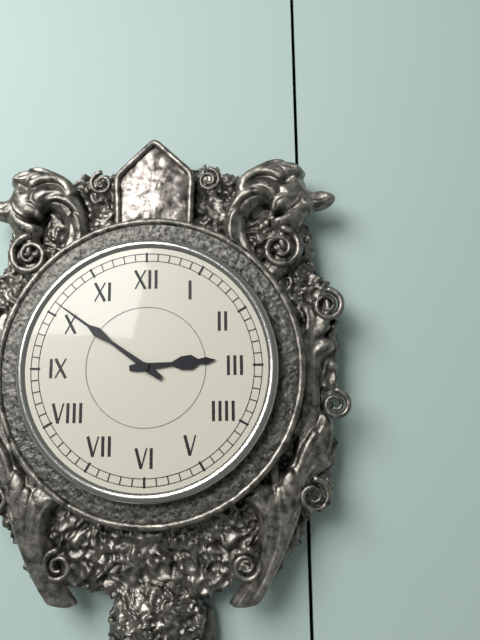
2:51
